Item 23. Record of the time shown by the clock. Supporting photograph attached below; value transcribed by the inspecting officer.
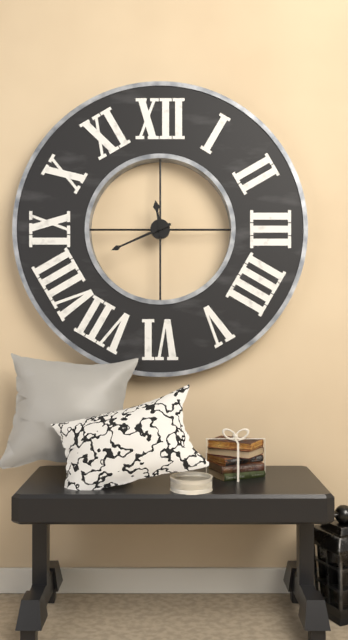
11:41
